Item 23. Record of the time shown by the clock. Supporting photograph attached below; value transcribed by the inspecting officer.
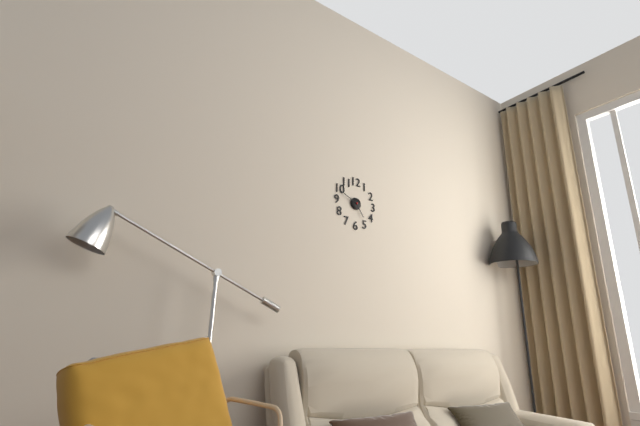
4:49
